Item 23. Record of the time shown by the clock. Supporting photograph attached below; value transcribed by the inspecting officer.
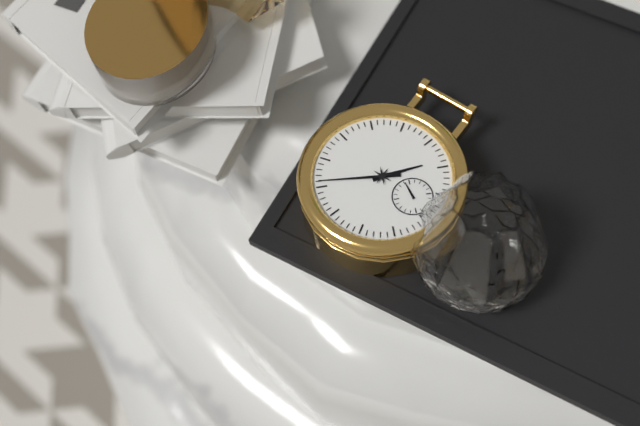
2:46
